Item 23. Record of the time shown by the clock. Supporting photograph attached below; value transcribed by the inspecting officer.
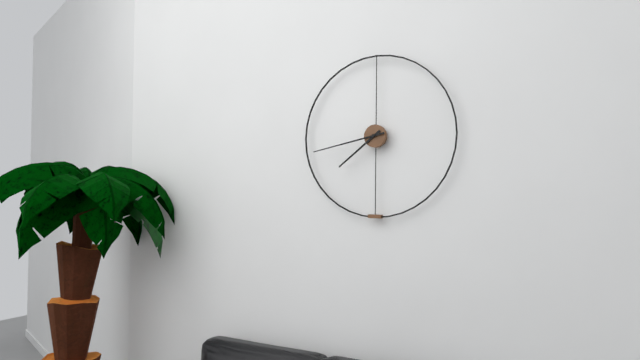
7:43
